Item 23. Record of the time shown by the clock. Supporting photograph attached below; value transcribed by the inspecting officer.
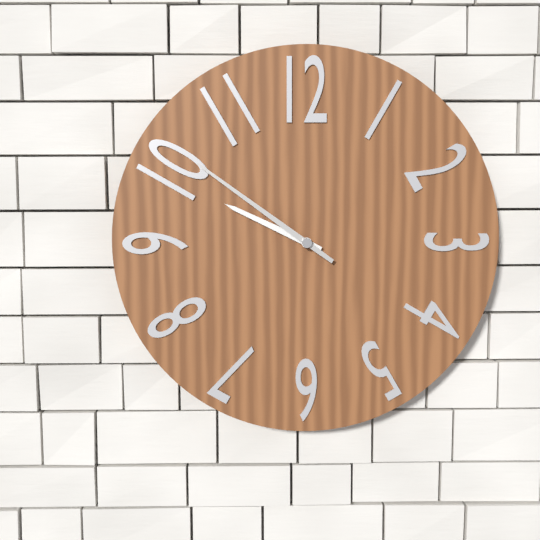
9:51
